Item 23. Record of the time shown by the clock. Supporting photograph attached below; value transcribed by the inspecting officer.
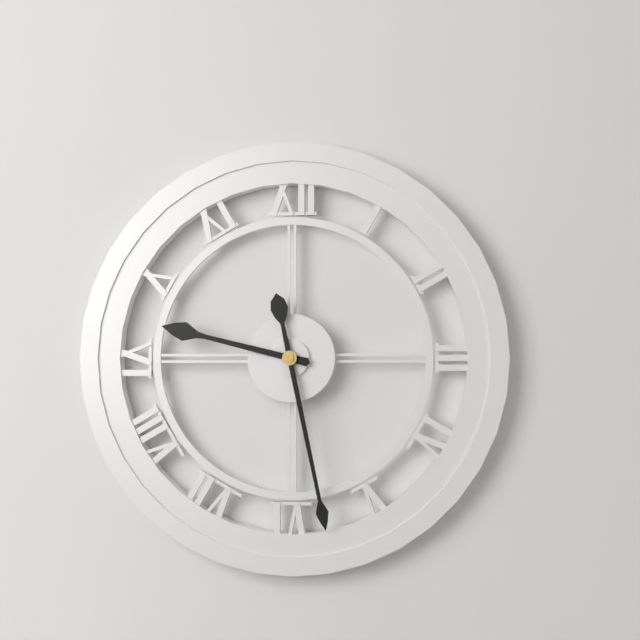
9:28
